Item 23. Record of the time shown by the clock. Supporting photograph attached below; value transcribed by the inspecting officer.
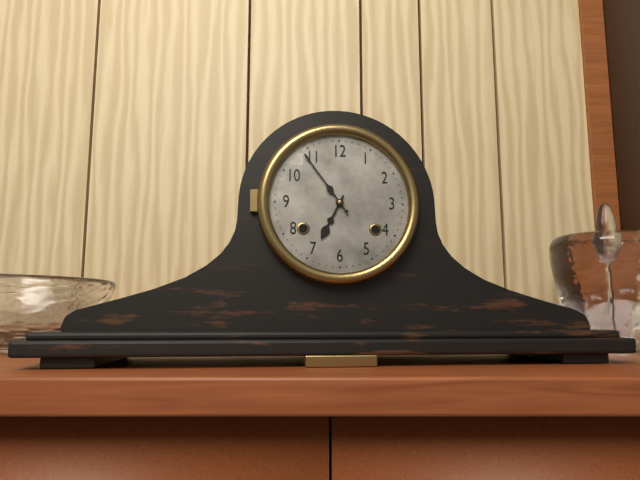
6:54
